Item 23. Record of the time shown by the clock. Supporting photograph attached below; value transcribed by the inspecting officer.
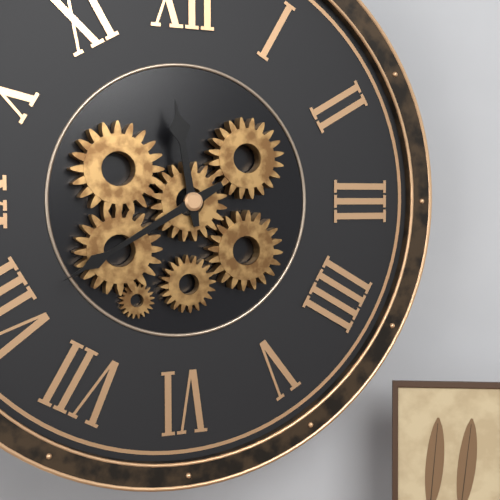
11:40
